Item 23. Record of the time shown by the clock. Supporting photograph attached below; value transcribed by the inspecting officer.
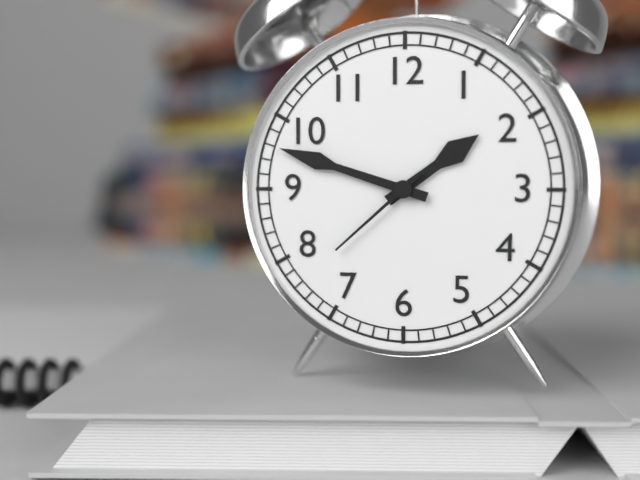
1:48:38
